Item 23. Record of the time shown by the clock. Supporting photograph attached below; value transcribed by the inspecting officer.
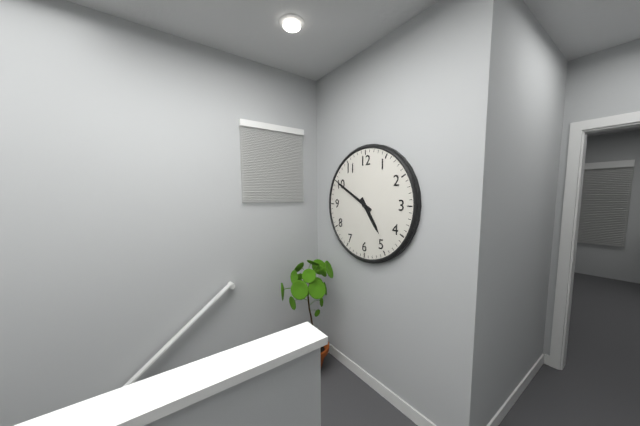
4:50
